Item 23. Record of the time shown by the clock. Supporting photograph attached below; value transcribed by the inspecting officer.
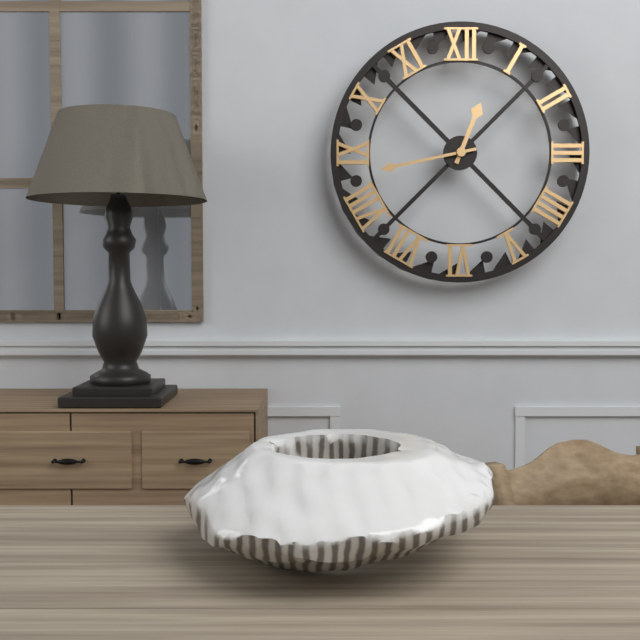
12:43
